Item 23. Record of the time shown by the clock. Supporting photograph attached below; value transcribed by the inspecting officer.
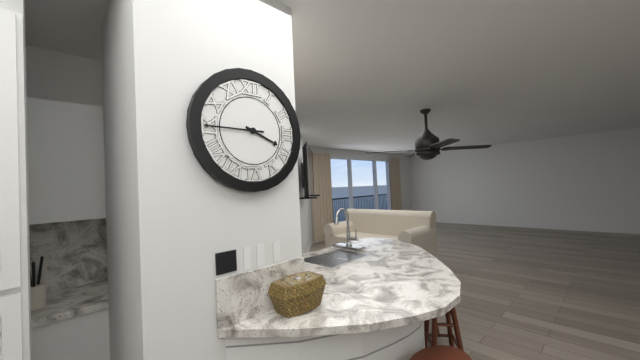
3:45
